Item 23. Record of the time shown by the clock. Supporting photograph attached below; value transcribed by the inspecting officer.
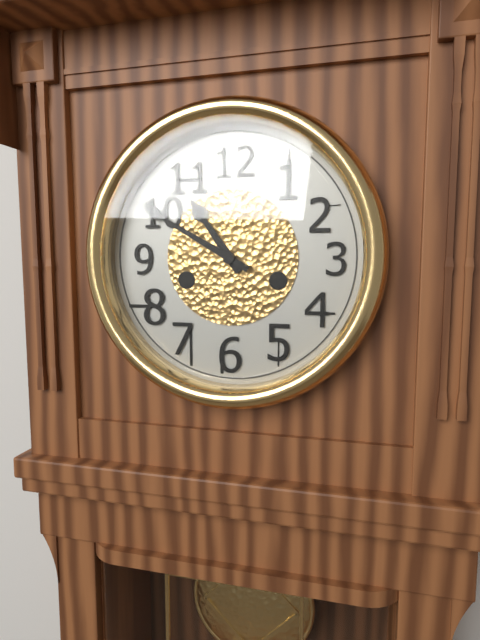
10:50
